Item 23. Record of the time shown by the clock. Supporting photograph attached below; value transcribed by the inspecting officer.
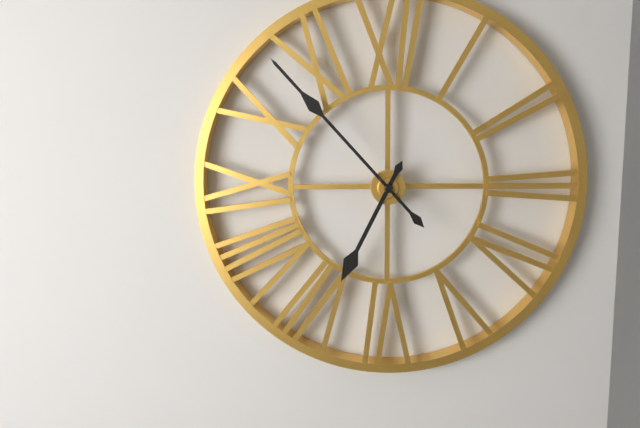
6:53
